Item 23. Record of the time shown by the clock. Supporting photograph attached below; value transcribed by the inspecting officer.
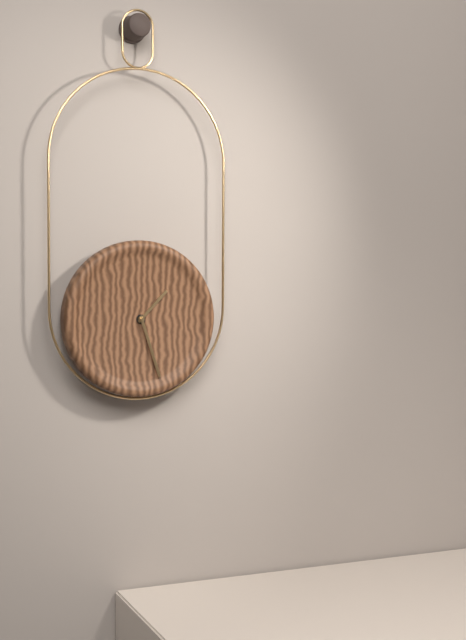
1:27
